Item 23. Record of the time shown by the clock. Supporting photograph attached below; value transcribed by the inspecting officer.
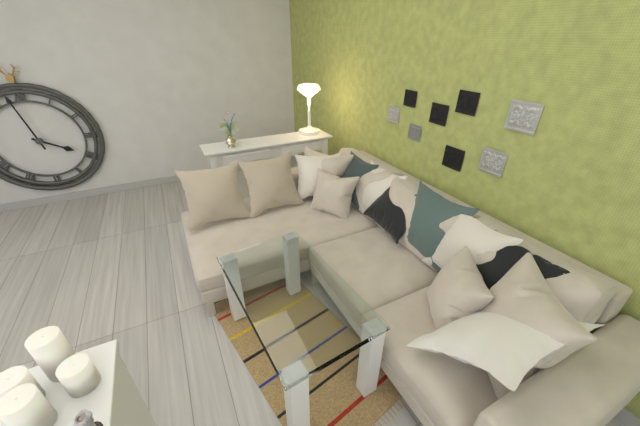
3:58
